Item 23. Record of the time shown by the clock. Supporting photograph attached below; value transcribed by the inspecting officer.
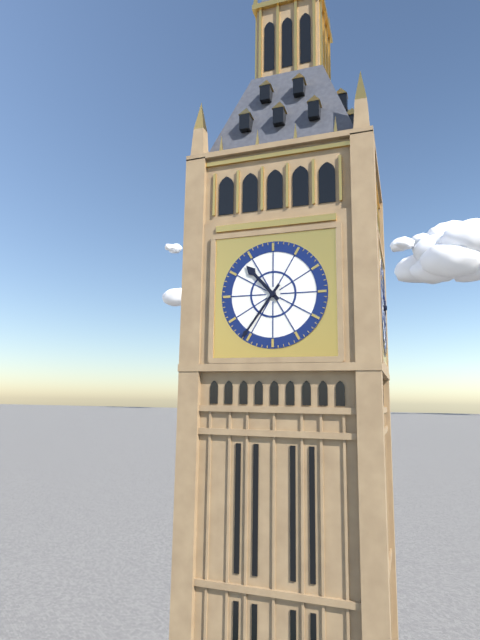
10:36
